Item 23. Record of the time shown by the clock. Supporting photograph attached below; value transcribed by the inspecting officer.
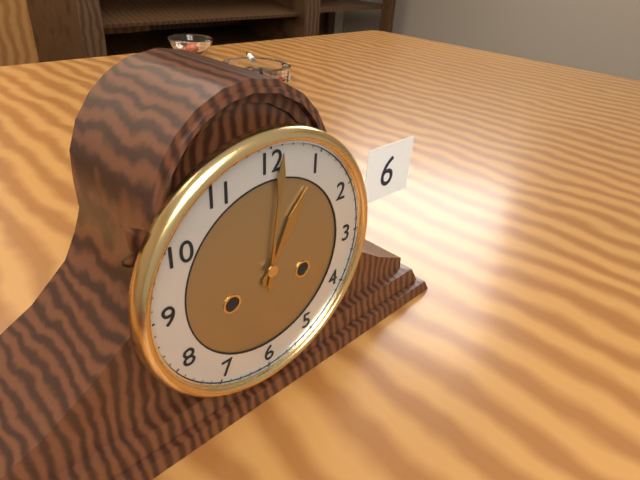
1:01
